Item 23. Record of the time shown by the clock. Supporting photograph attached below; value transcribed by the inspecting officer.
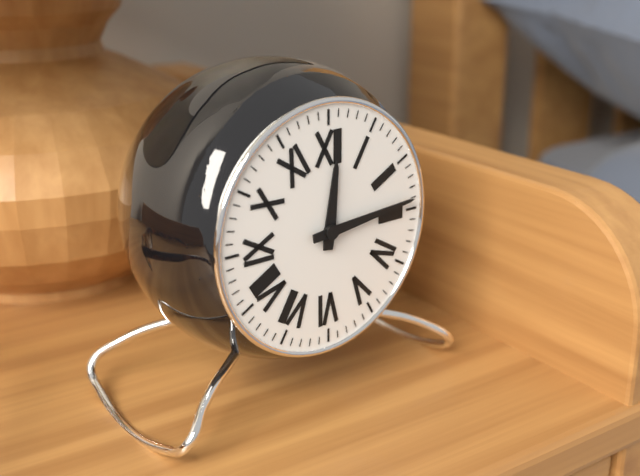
12:14
